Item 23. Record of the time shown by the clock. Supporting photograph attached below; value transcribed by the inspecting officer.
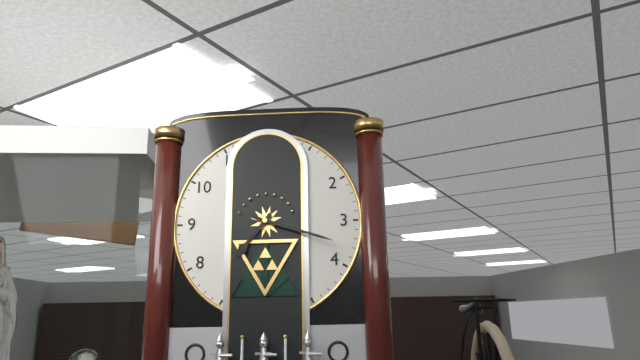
7:18
